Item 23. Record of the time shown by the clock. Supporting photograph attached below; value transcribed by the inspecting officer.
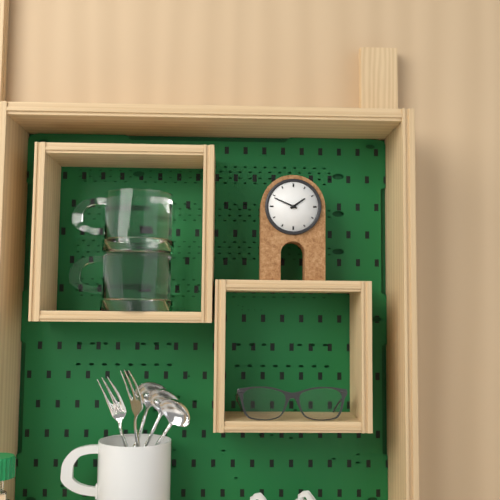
1:49
